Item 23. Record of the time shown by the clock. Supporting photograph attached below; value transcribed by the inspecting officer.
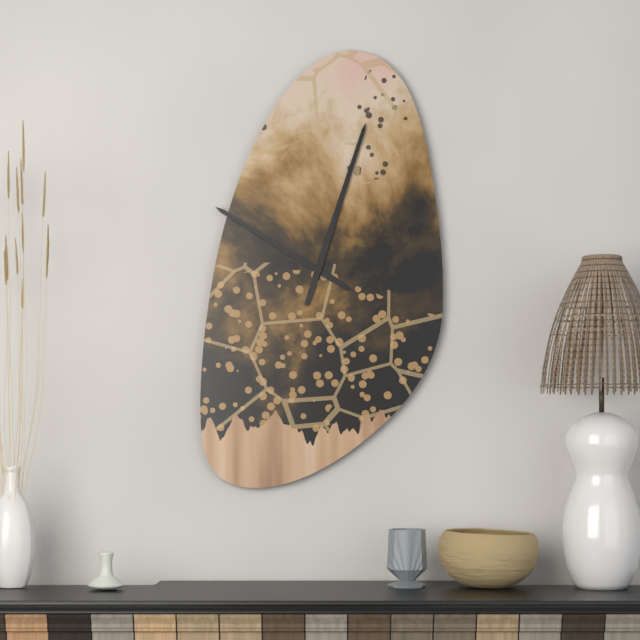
10:03
